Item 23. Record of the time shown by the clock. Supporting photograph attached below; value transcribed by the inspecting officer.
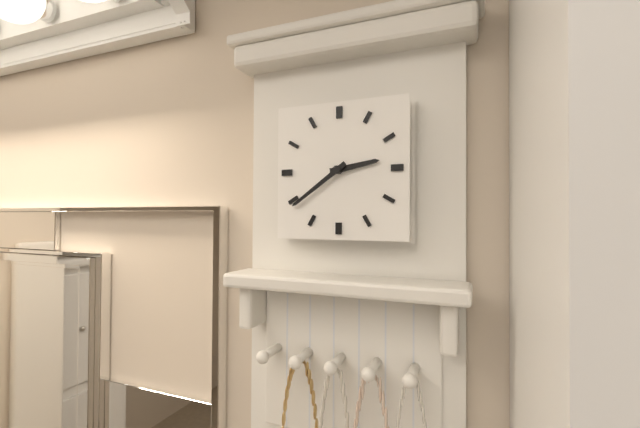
2:39
